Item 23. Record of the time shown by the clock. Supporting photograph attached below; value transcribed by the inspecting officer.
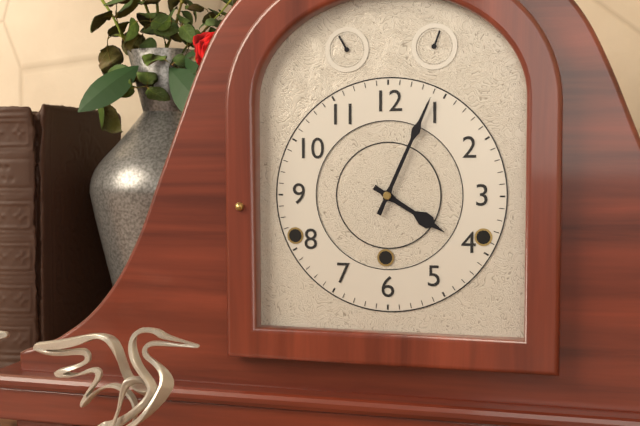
4:04
